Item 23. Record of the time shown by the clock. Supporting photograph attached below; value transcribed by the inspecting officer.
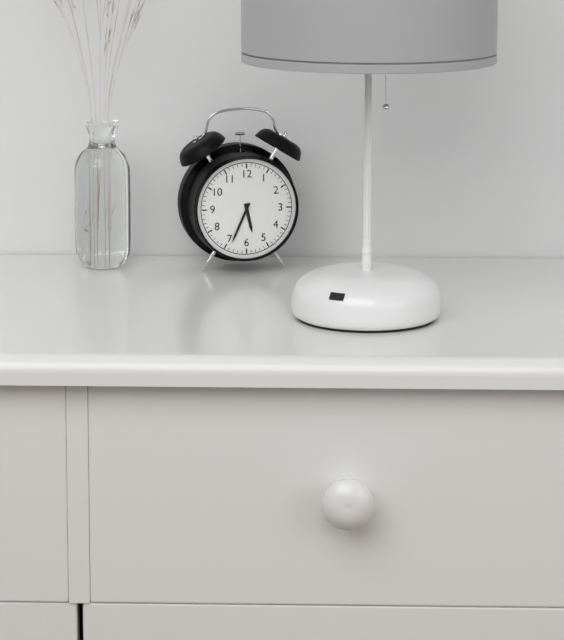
5:34
